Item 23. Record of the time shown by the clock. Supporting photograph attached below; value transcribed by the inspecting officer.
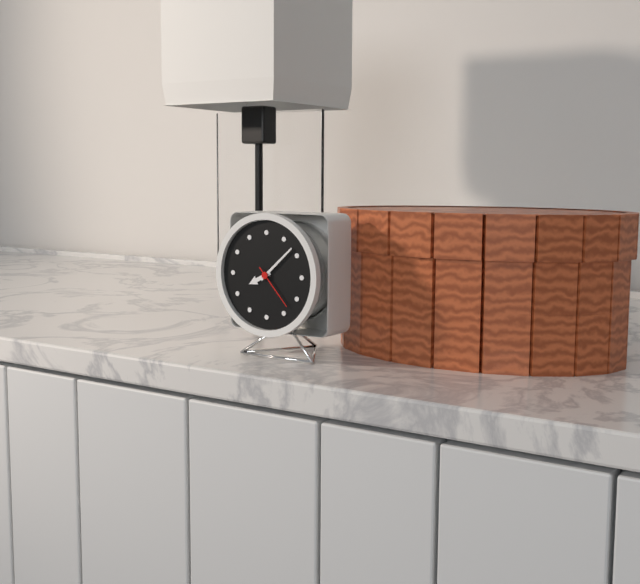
8:08
